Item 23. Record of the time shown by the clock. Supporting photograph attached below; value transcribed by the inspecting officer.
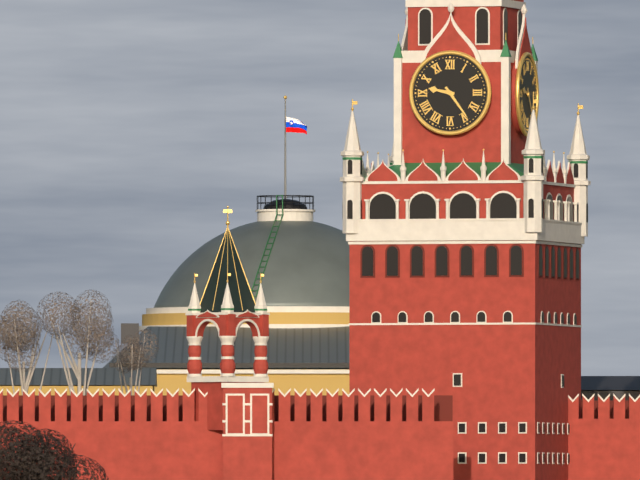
9:24
